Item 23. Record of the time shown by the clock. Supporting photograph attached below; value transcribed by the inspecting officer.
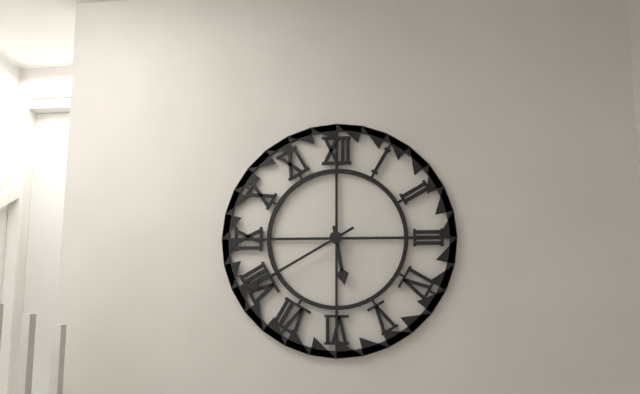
5:40
